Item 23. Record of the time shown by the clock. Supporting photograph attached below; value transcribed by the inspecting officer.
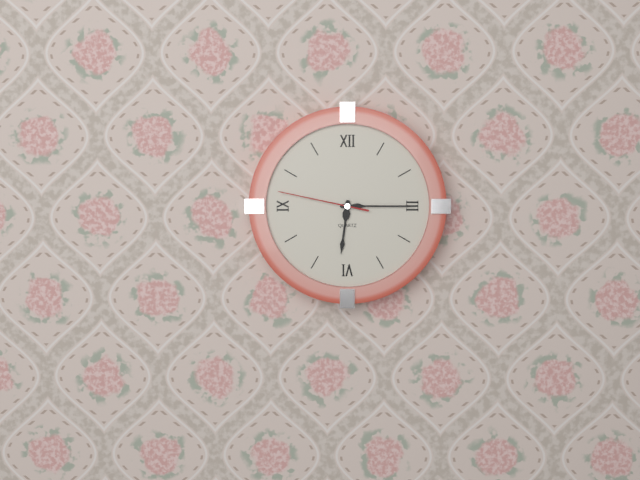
6:15:47
